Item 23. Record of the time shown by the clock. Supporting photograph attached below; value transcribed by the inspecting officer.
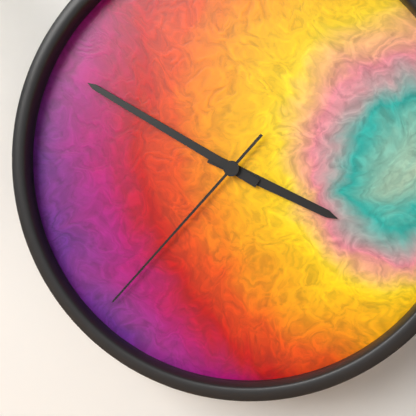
3:50:37
